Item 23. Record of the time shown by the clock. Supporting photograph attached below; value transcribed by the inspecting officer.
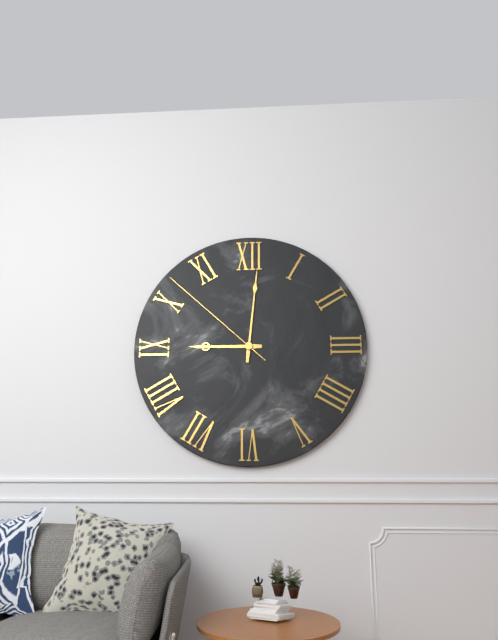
9:01:52
